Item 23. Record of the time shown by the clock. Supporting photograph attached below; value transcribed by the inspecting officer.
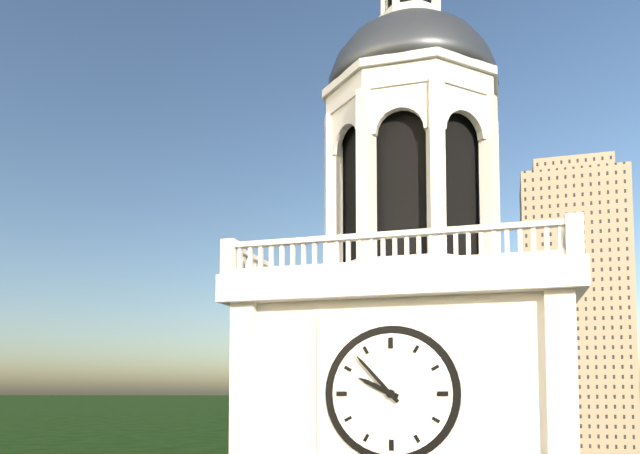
9:53
